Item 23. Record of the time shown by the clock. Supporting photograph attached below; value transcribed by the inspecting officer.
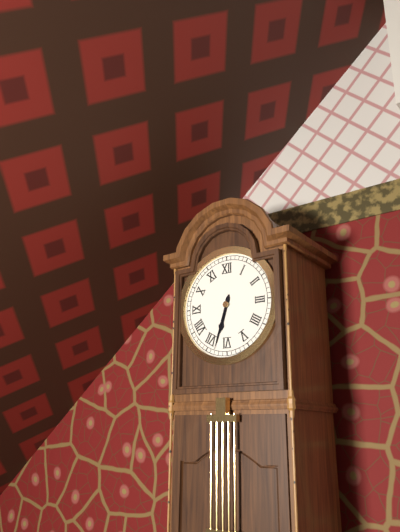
6:33
